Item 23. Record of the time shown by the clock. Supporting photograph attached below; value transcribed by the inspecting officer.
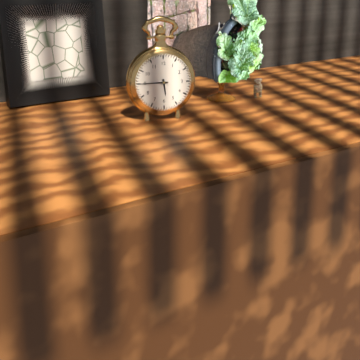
5:45
